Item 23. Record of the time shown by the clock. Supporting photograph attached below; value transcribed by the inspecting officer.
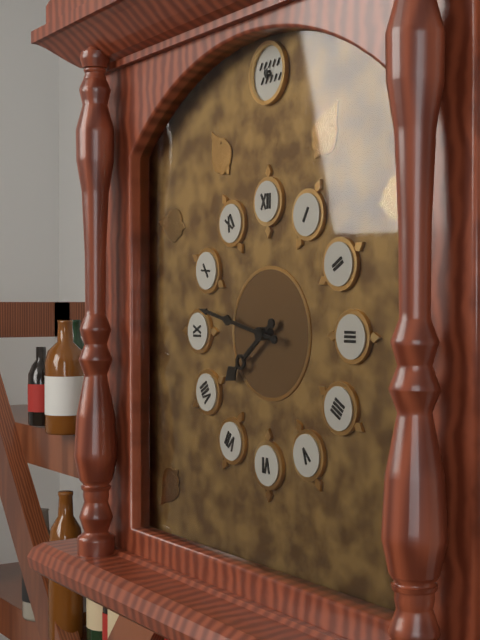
7:47
